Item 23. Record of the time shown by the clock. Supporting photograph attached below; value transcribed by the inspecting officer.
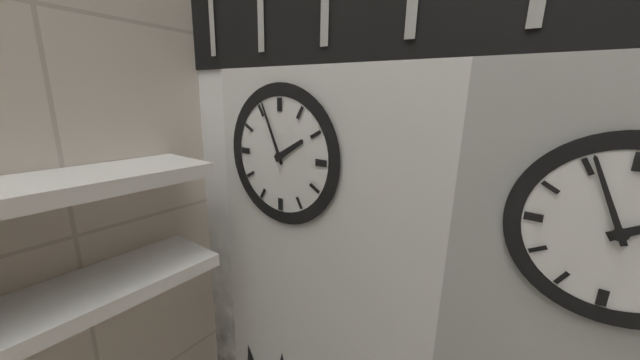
1:56
